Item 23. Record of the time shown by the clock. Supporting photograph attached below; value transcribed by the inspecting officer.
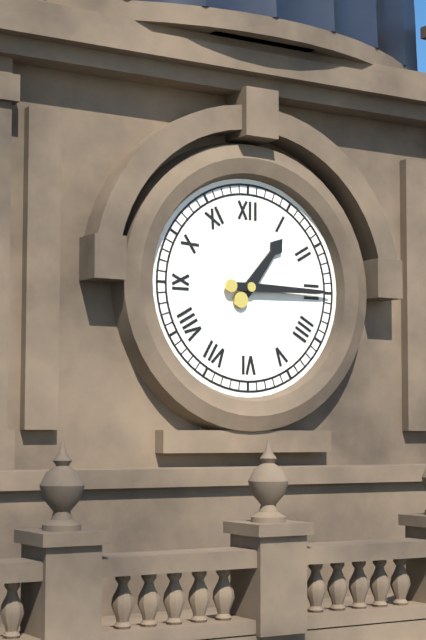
1:15
